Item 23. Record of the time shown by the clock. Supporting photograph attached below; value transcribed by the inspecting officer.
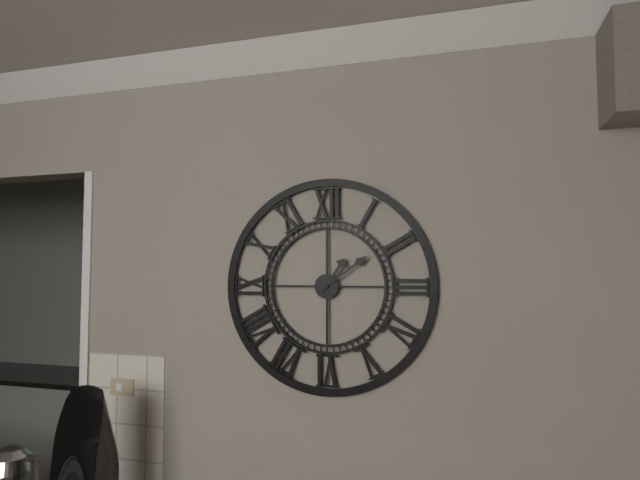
1:09
